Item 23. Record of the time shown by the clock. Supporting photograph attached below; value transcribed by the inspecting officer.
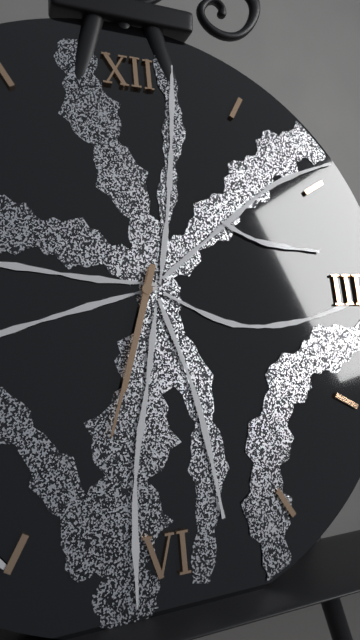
6:33
